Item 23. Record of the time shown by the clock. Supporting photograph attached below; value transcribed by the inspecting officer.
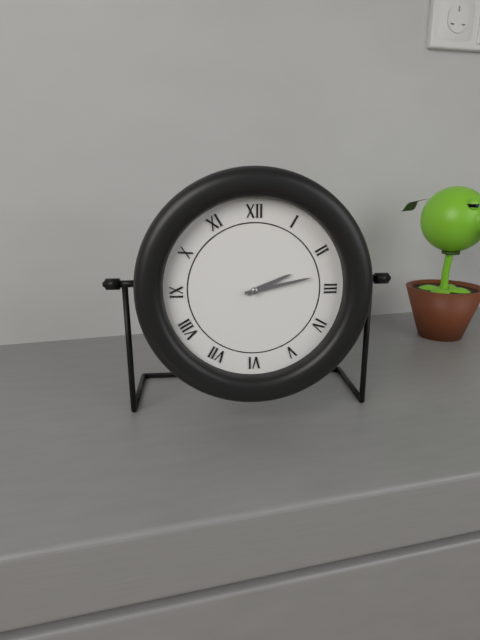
2:13
